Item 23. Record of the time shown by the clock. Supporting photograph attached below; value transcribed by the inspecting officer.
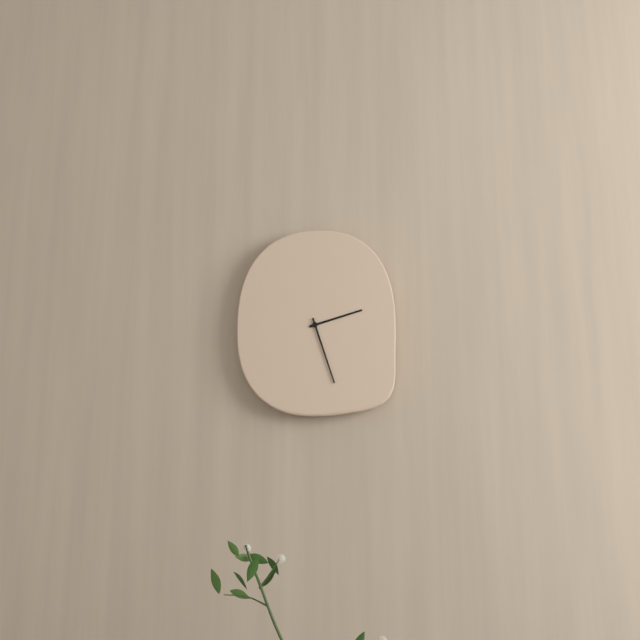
2:27
